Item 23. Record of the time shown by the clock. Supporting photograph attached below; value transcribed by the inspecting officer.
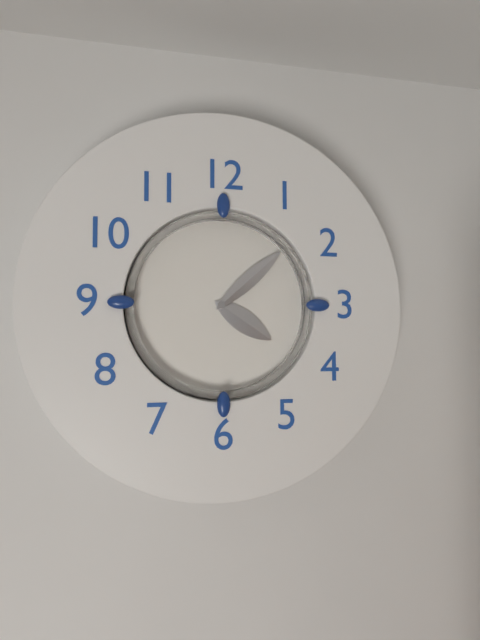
4:08
